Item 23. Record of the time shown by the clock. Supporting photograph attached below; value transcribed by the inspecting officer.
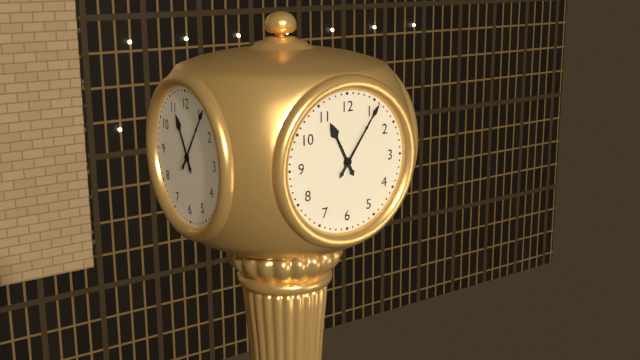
11:06
